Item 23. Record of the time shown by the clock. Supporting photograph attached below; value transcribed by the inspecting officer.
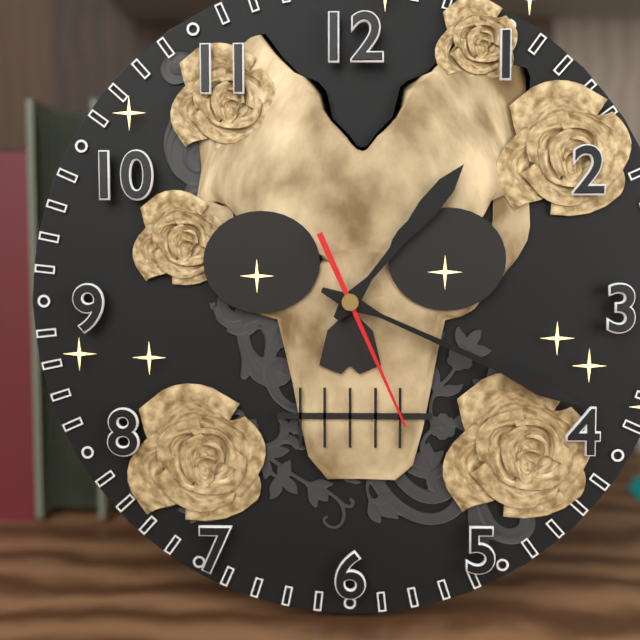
1:19:26
